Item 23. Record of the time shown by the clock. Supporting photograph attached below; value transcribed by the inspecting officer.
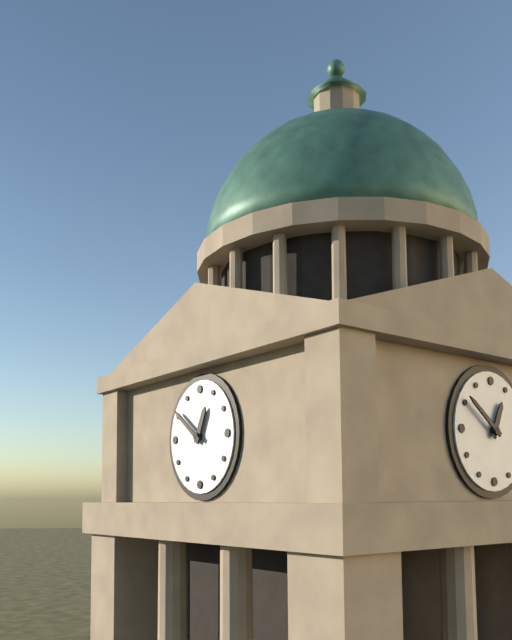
12:51
